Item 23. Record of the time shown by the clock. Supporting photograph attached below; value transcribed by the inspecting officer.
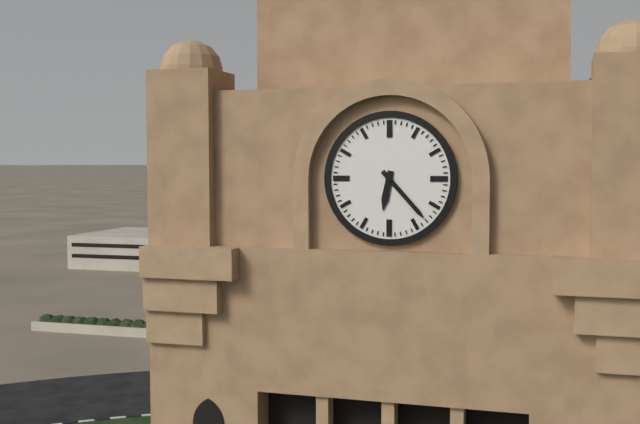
6:23
